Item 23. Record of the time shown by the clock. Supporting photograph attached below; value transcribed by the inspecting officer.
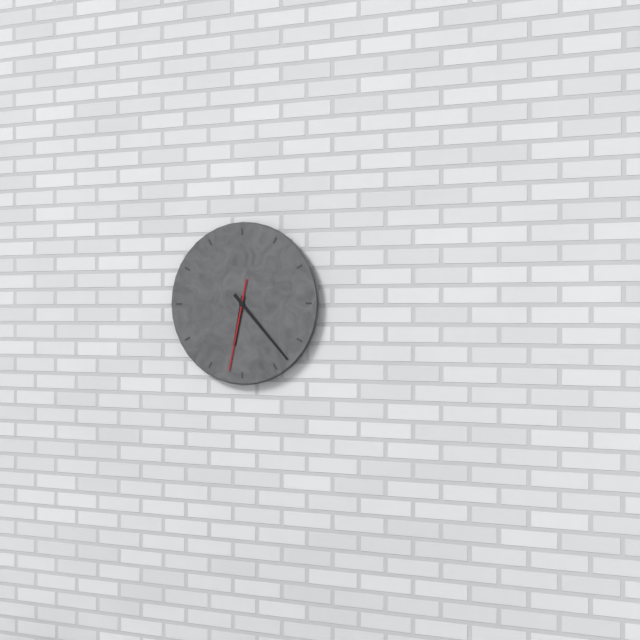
6:23:32
